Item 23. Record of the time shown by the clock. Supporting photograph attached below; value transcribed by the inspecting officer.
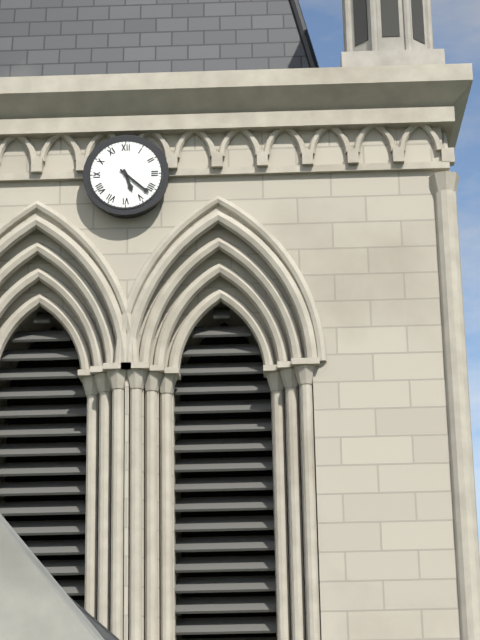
5:22
